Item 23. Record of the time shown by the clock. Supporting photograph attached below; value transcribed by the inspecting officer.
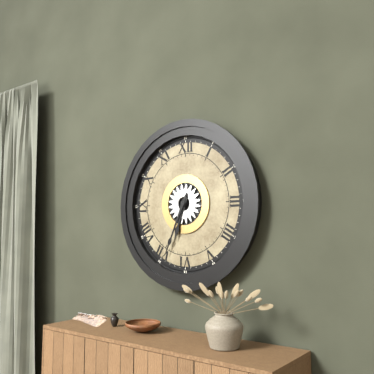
6:34
